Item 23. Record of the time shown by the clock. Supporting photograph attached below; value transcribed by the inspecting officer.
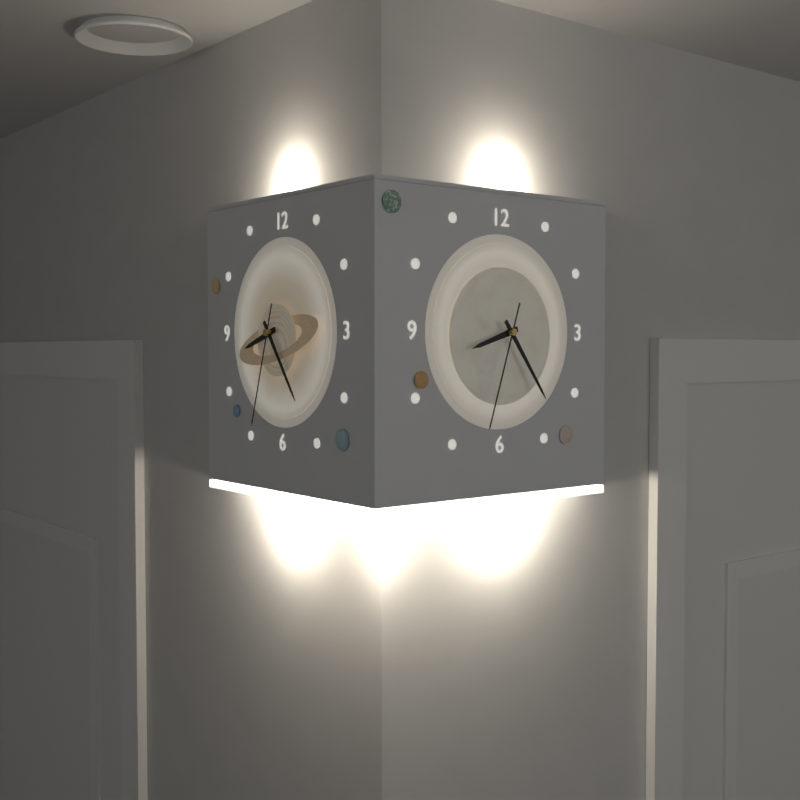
8:24:33
